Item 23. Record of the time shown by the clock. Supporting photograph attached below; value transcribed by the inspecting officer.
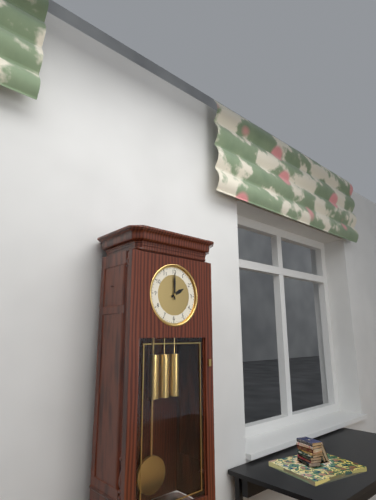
2:00
